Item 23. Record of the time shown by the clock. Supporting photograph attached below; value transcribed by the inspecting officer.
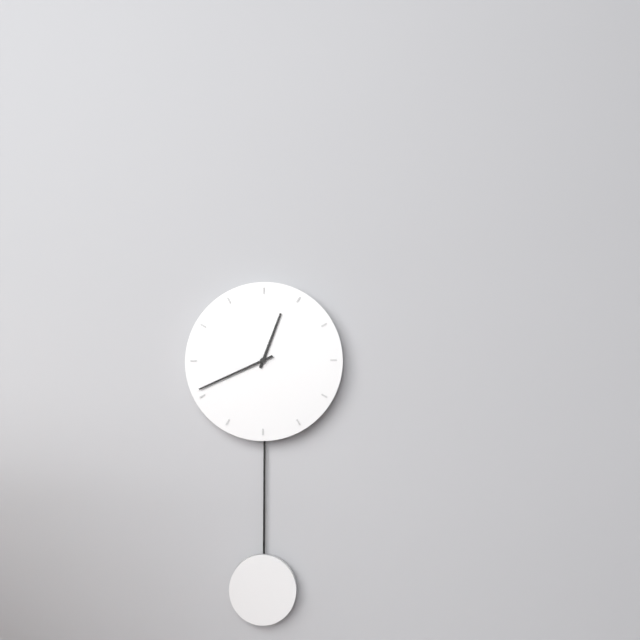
12:41
